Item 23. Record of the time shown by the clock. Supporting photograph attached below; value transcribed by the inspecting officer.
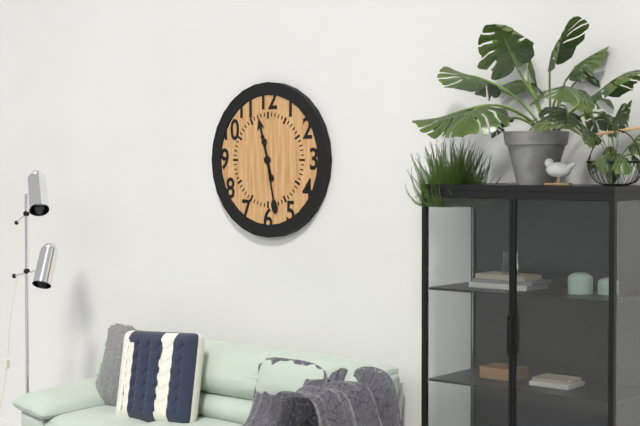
11:28
